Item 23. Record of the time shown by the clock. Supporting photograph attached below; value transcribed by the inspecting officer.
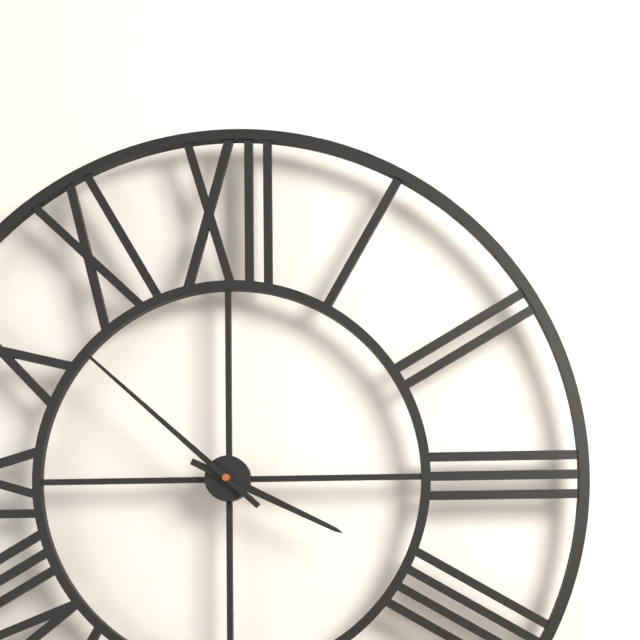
3:52
